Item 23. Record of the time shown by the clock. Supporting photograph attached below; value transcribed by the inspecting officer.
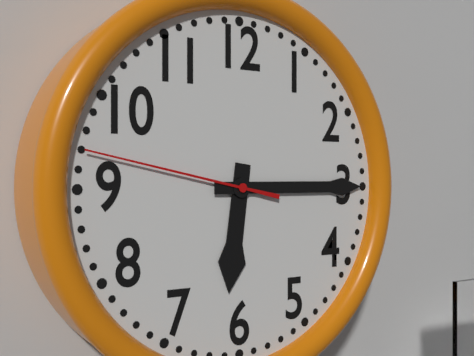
6:15:47
